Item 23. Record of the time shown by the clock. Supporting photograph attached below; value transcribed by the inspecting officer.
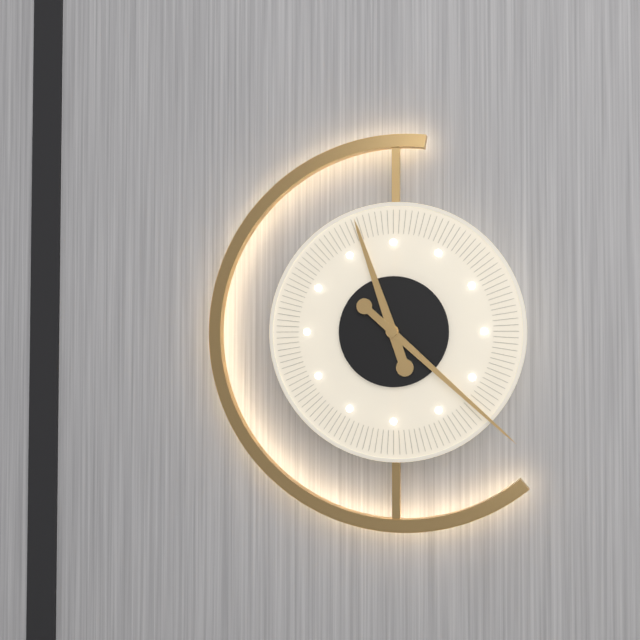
11:22
